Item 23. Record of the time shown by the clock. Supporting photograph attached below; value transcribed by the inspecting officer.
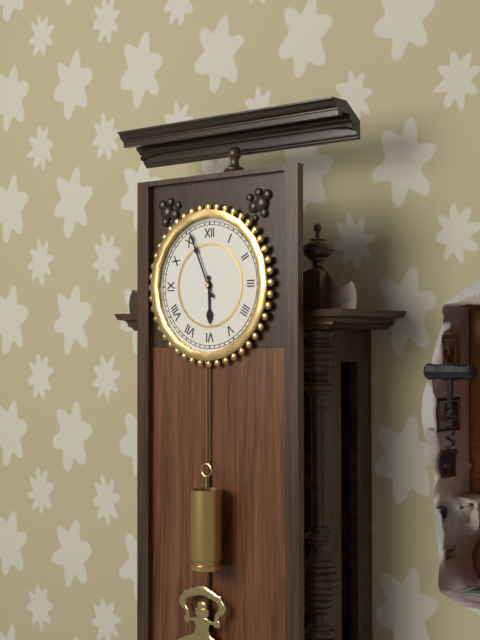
5:56
